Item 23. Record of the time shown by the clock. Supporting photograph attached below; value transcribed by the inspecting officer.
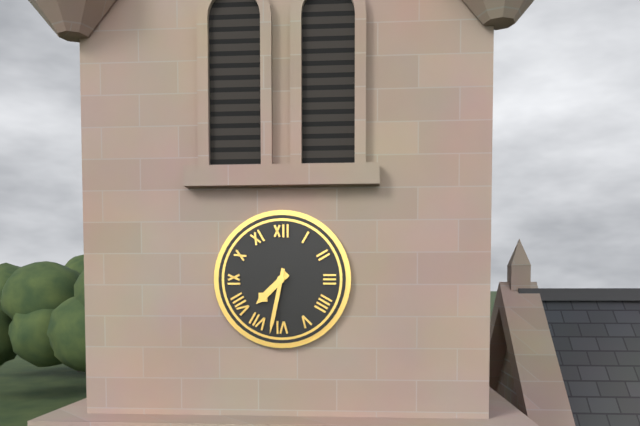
7:32
